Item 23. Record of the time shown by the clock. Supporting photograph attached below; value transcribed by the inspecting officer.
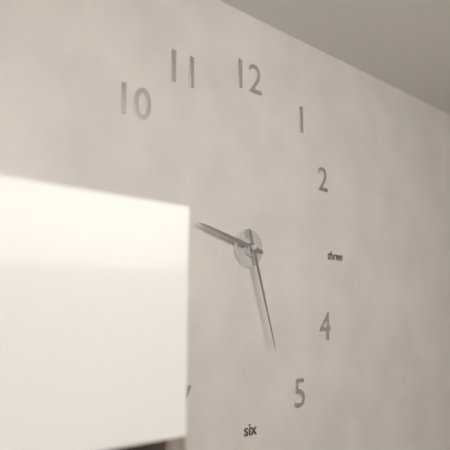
9:27
